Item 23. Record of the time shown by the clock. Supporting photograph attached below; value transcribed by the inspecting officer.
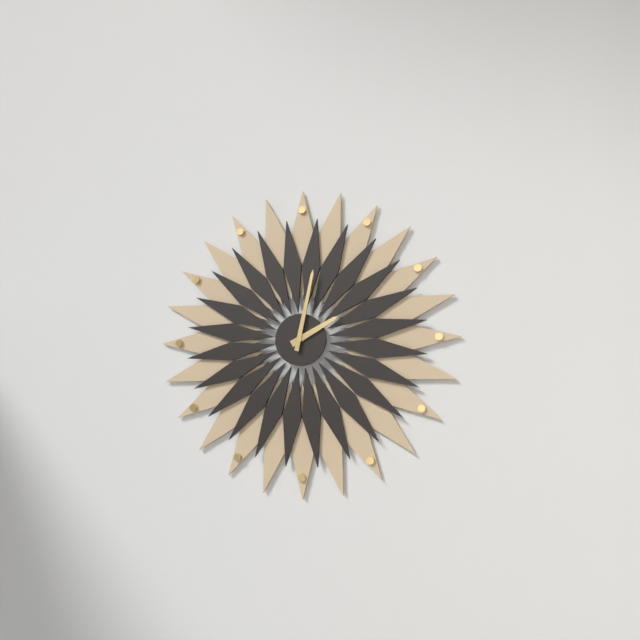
2:02
